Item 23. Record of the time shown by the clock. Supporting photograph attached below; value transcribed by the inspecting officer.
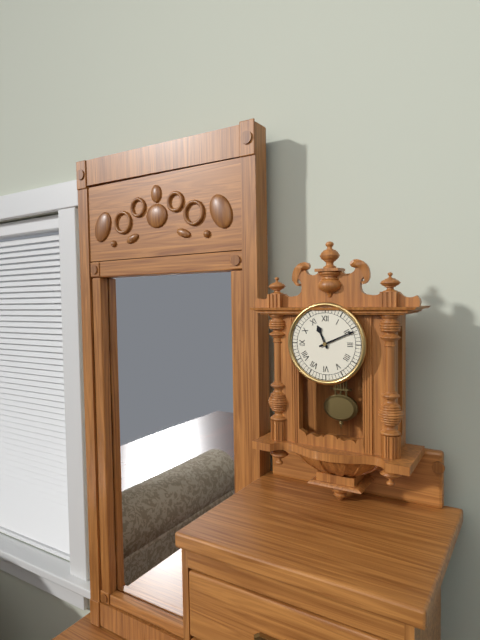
11:11
